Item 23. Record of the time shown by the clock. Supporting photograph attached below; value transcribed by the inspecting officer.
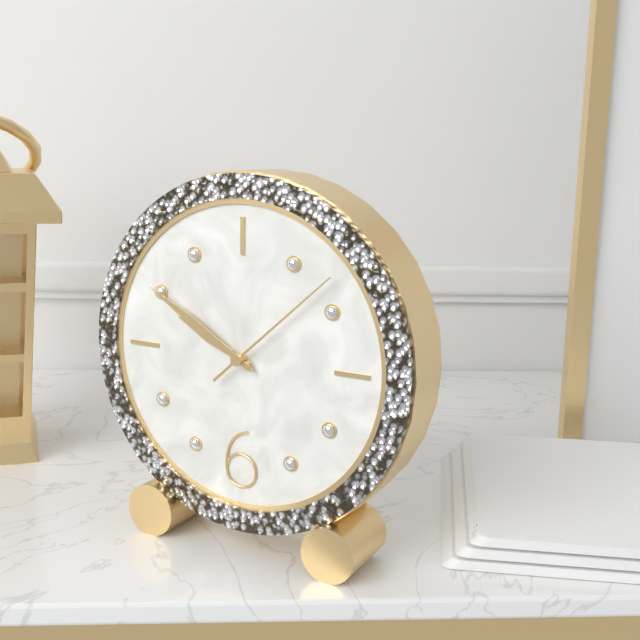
9:50:08
